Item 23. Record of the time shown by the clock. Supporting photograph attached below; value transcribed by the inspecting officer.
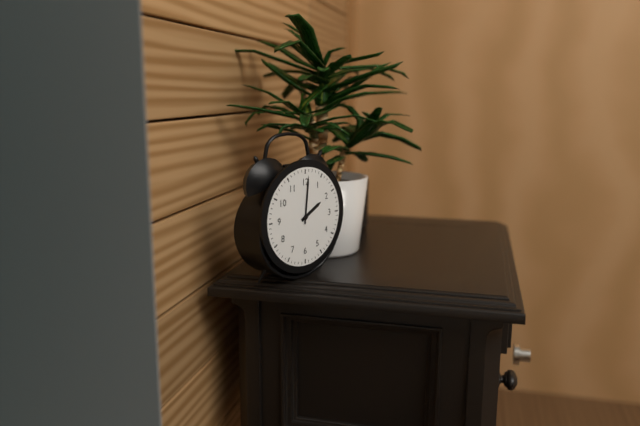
2:01
